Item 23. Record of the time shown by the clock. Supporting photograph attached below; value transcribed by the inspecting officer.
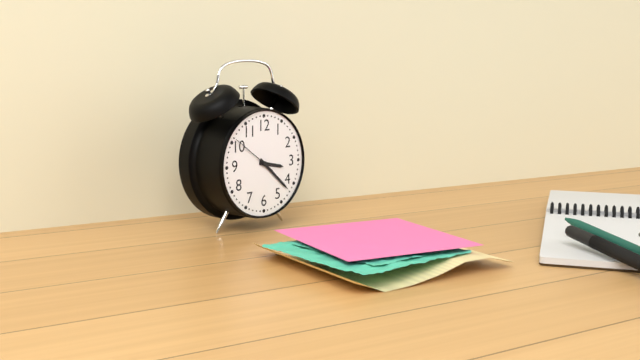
3:22
